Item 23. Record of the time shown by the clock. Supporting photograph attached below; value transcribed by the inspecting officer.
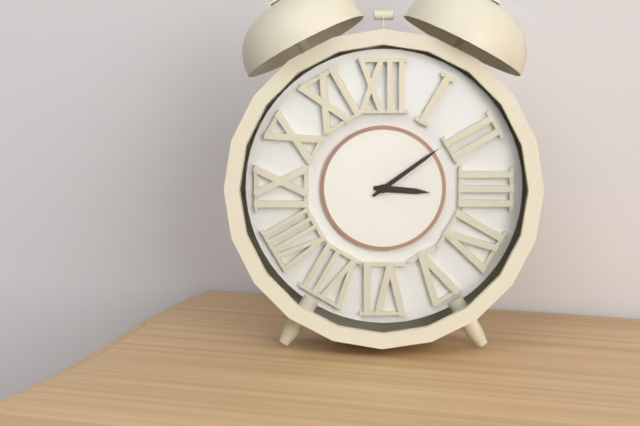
3:09
